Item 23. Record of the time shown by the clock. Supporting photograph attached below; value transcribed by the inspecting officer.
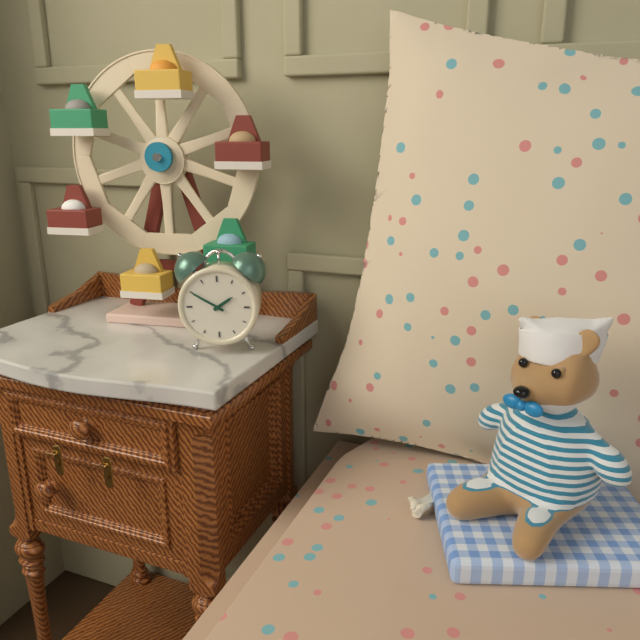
1:50
